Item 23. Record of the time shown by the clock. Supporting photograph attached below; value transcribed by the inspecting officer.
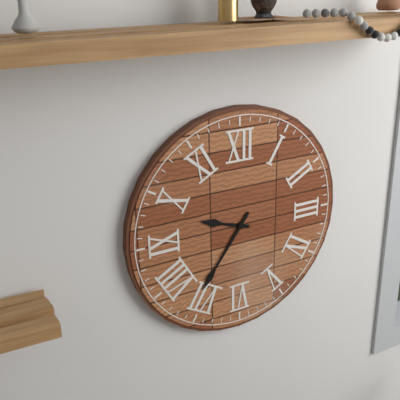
9:36
